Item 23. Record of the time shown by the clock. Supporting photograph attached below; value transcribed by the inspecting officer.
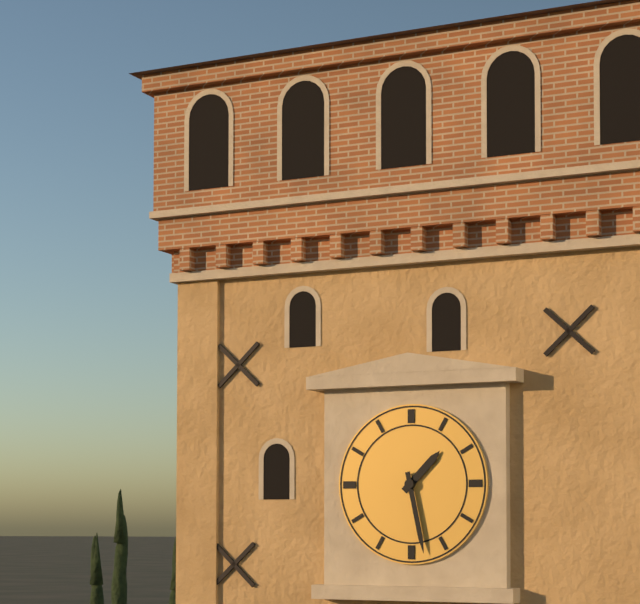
1:28
